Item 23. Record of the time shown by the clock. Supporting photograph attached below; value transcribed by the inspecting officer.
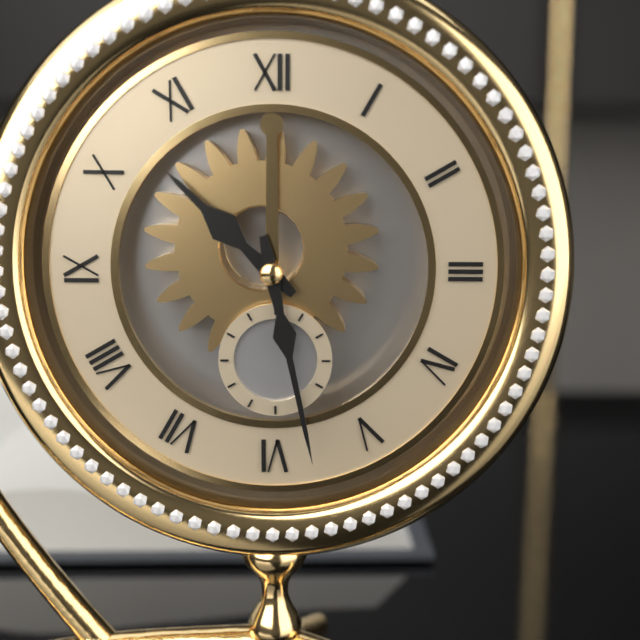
10:28
